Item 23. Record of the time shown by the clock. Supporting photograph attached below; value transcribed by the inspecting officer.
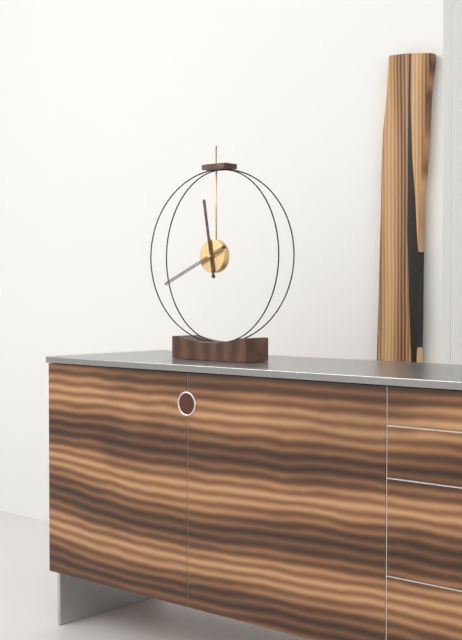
11:41
